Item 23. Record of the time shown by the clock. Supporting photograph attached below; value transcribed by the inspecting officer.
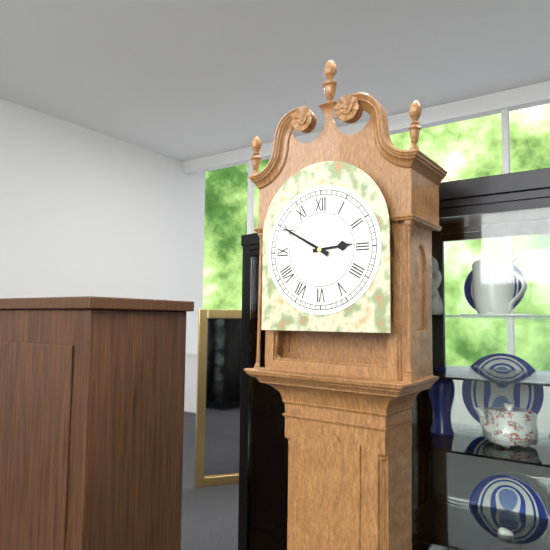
2:50
